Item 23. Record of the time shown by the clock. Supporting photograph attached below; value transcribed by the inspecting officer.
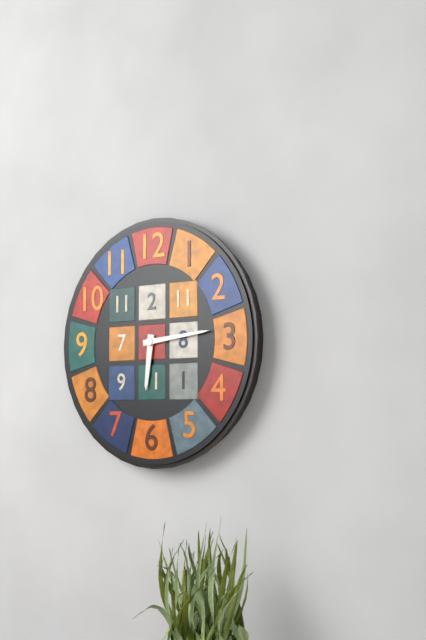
6:14
